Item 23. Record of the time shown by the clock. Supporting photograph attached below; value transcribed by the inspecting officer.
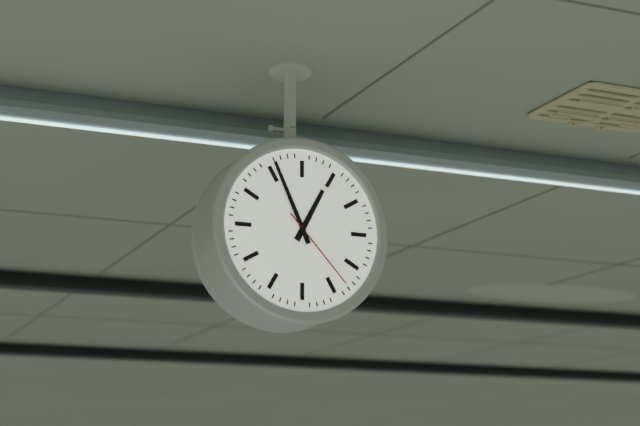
12:56:23
